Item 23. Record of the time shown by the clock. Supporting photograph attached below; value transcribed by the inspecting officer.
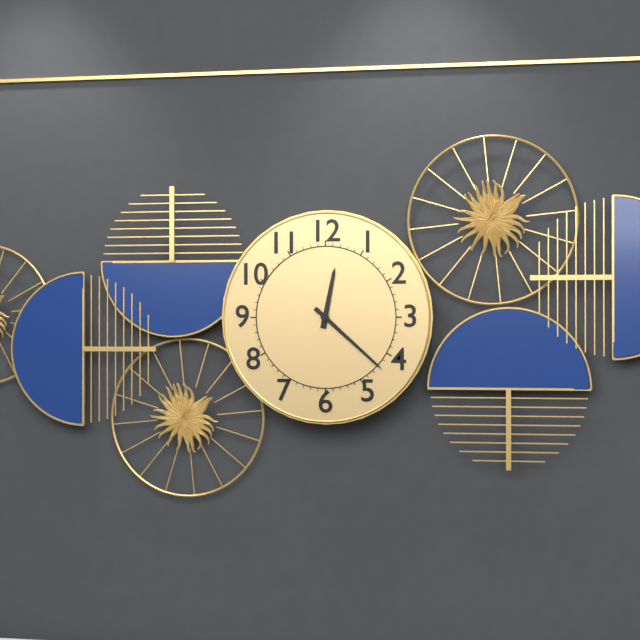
12:22
